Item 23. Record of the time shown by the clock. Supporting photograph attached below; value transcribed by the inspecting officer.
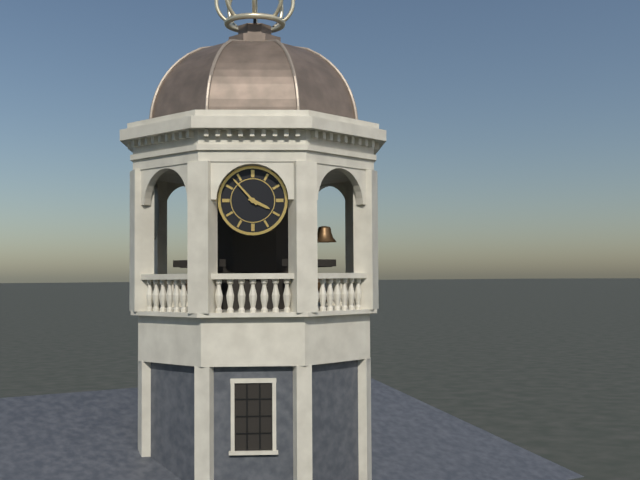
3:53
